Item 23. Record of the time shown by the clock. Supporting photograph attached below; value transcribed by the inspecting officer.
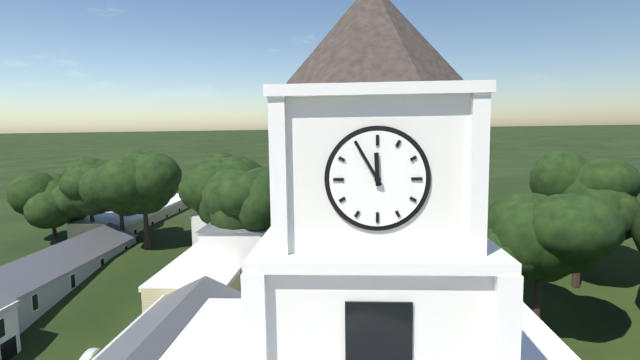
11:55
